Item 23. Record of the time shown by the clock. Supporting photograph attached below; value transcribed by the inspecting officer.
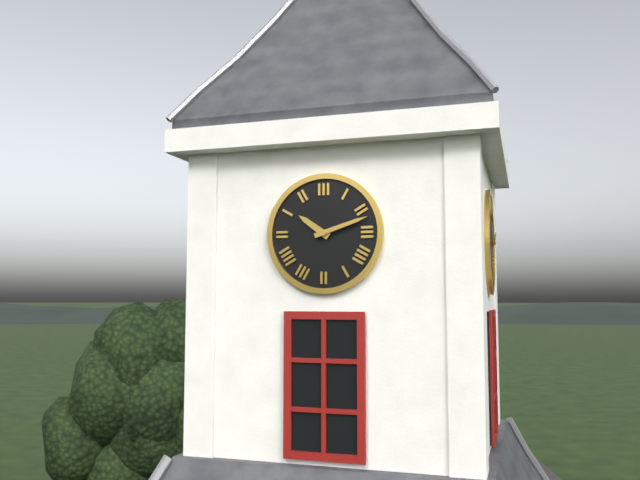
10:12
